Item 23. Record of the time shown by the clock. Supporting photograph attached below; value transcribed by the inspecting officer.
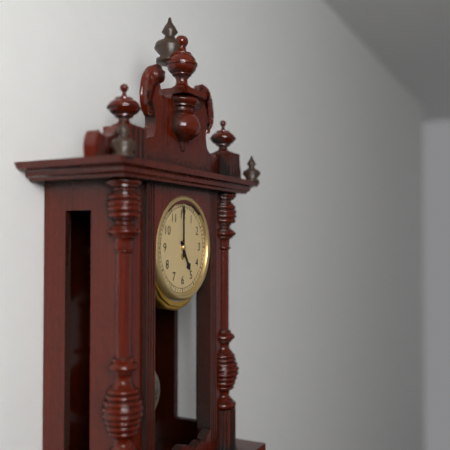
5:00
